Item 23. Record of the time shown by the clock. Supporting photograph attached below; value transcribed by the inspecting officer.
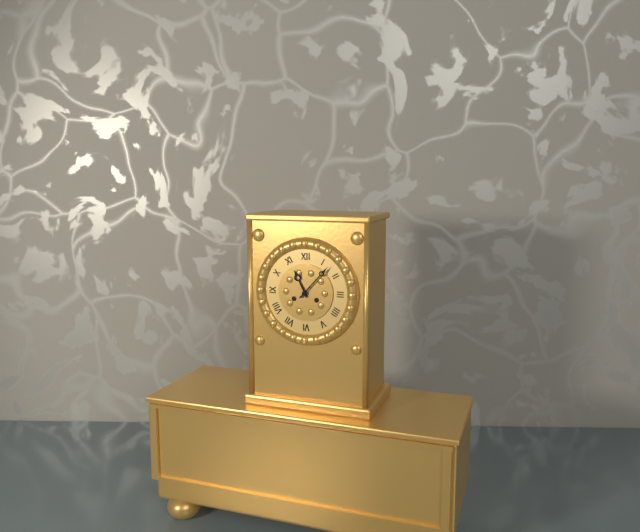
11:07
